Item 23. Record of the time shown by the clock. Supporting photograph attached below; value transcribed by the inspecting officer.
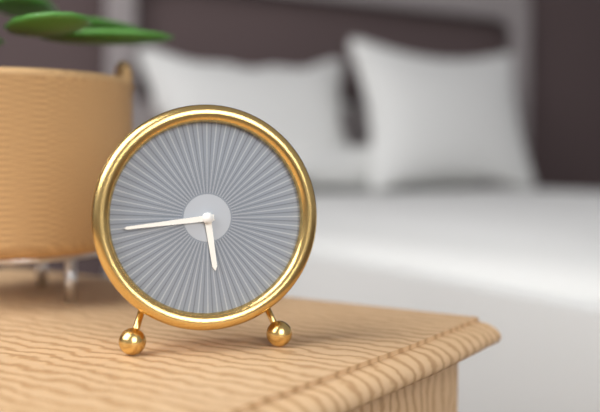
5:44
